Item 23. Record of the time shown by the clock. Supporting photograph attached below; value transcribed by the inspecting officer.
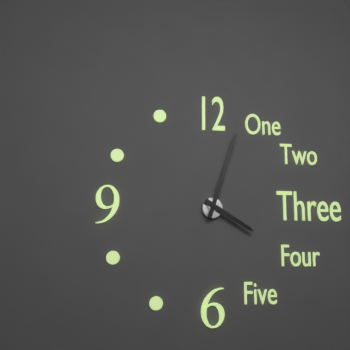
4:03
